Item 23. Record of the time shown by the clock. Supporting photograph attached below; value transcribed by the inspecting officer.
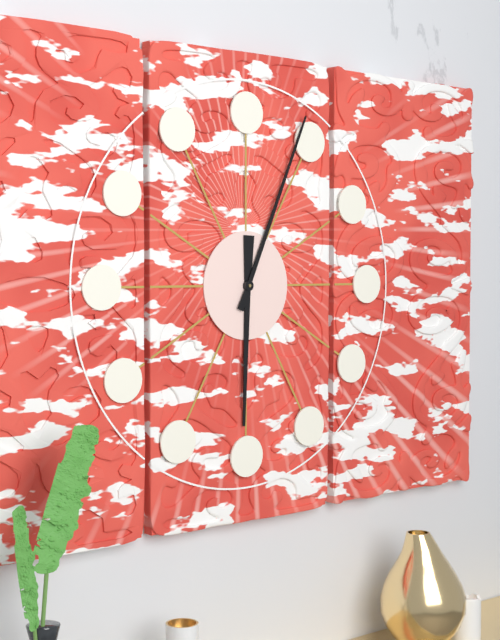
6:04
